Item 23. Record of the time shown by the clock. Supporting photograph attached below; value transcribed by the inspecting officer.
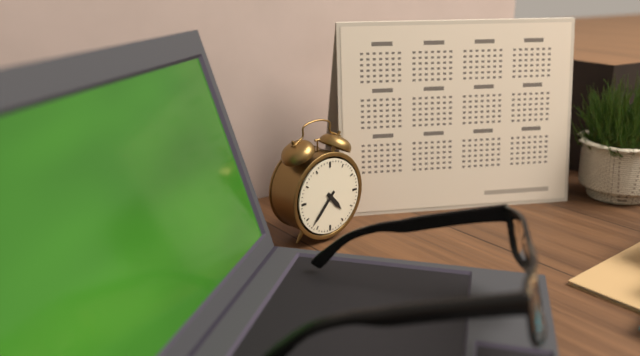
4:37
